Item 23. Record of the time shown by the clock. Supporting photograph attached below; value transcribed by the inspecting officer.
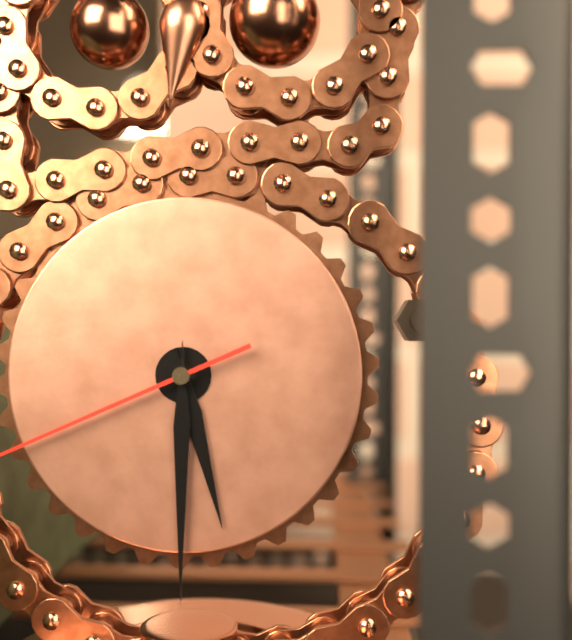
5:30
